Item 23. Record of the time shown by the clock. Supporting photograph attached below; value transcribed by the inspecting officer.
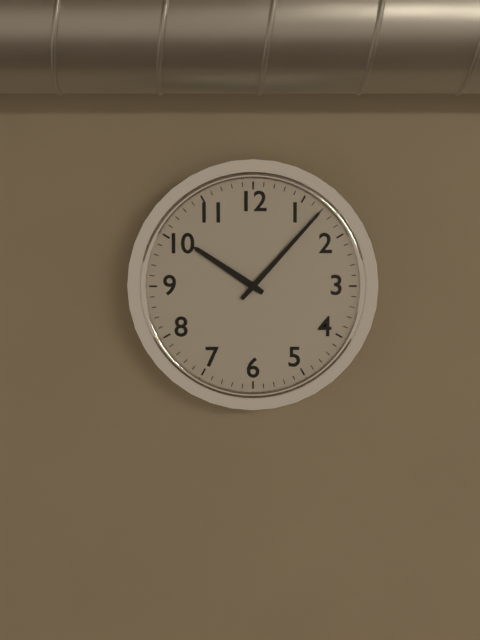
10:07
